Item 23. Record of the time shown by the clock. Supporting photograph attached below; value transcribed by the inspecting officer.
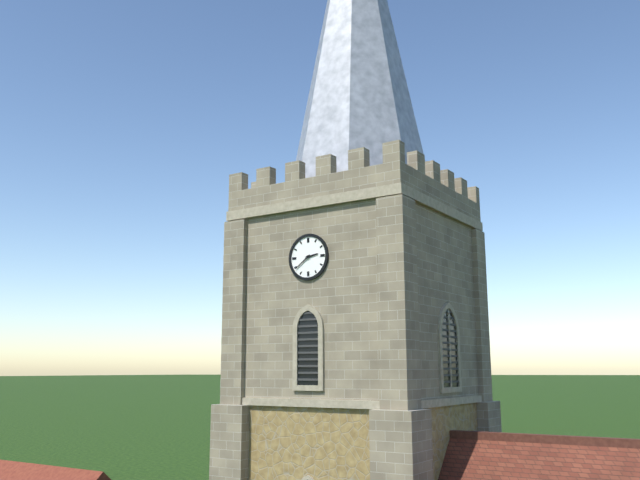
2:39
